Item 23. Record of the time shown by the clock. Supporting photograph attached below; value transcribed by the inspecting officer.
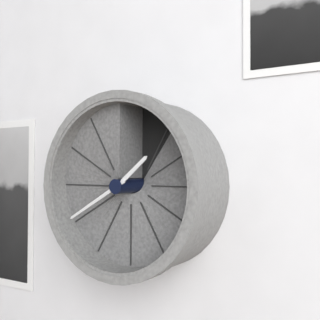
1:40
